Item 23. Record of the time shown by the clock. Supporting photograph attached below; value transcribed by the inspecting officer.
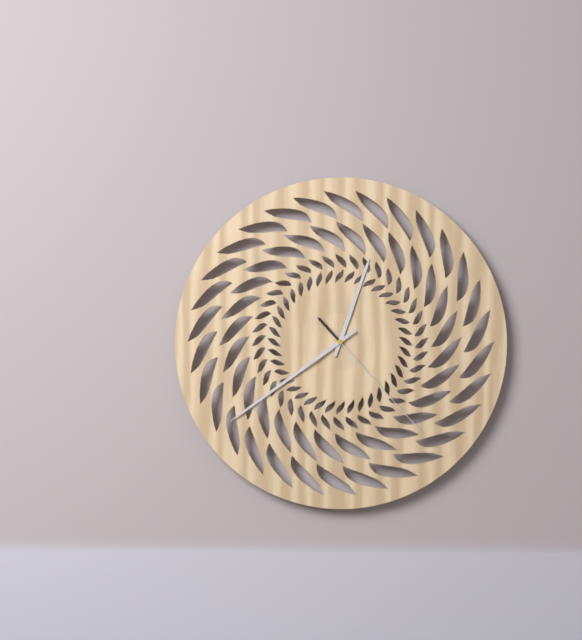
12:39:23
